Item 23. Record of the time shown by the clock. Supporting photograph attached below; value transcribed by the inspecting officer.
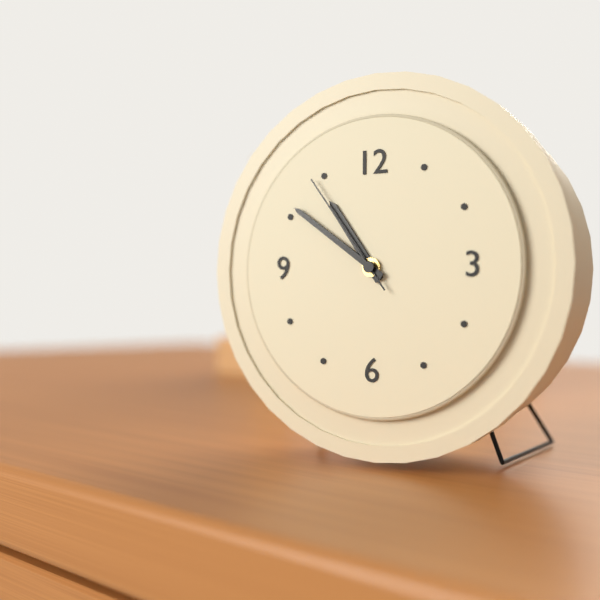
10:51:54
